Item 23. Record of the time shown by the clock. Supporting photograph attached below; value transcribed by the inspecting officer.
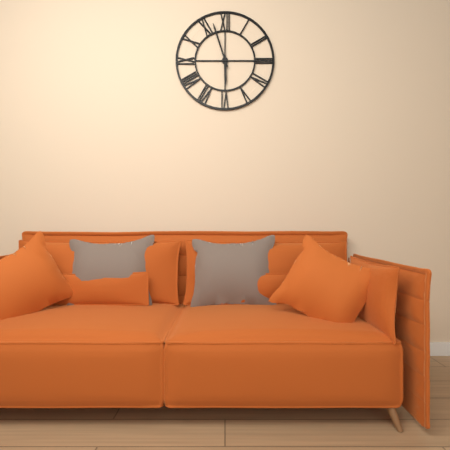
5:57
